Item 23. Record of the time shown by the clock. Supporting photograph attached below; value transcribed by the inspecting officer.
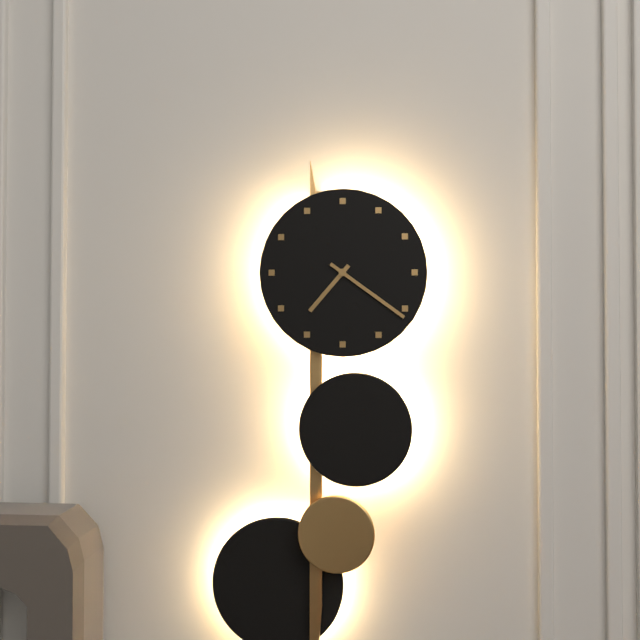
7:21
